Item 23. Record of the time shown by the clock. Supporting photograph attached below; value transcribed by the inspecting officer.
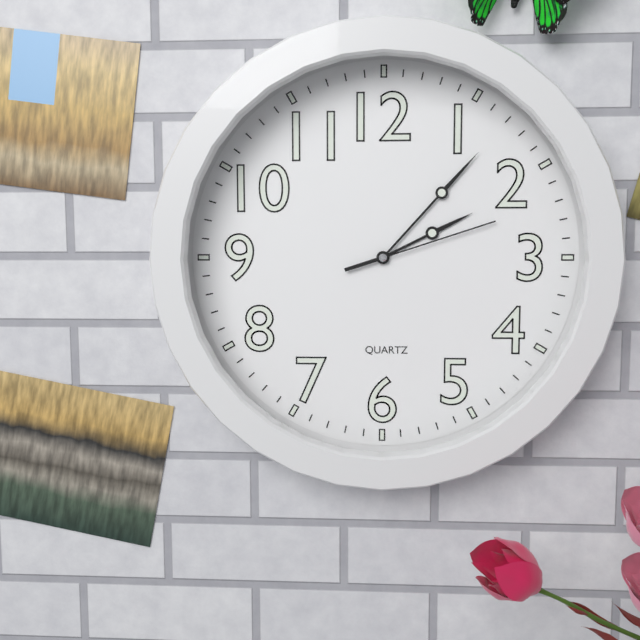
2:07:12
